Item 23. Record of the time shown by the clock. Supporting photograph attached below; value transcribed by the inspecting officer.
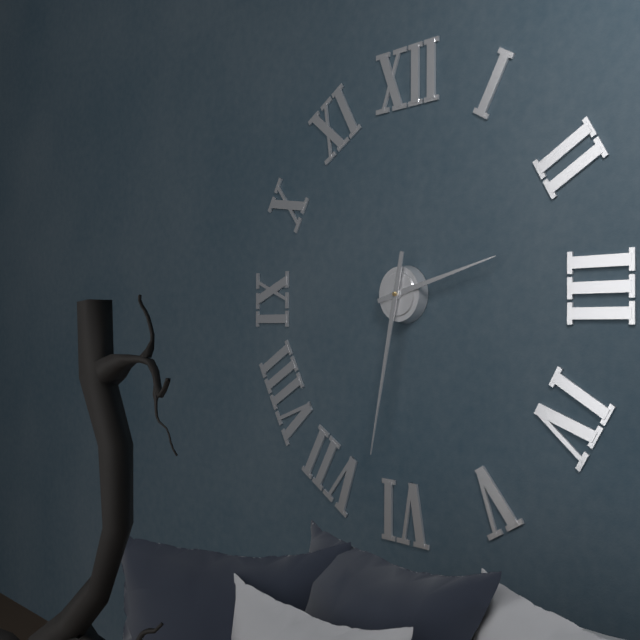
2:32
